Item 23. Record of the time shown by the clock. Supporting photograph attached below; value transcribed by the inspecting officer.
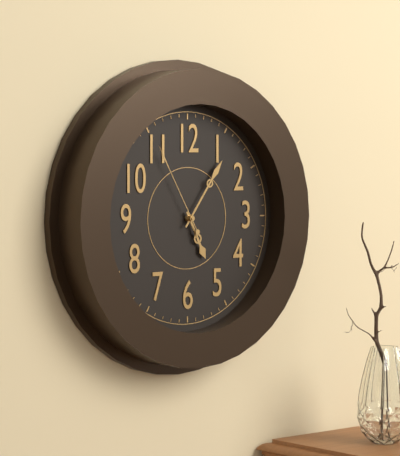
5:06:55
